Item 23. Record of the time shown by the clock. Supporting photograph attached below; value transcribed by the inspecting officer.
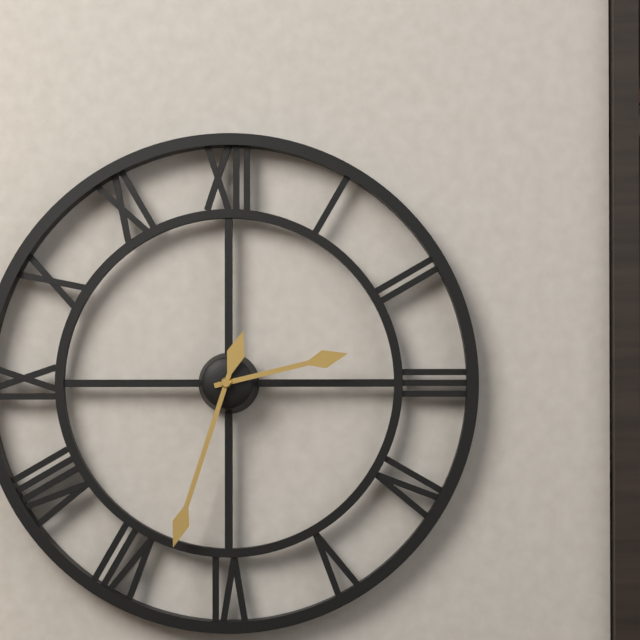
2:33
